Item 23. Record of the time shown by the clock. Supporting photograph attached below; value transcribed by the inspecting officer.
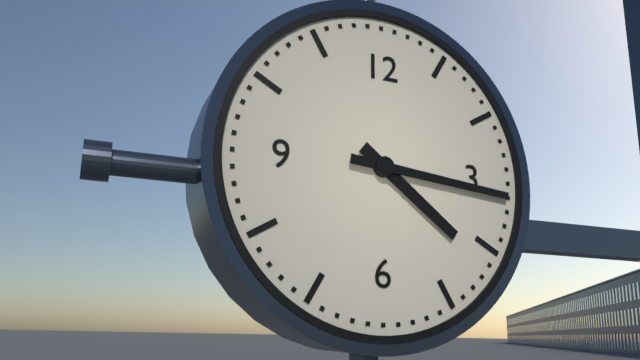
4:16
